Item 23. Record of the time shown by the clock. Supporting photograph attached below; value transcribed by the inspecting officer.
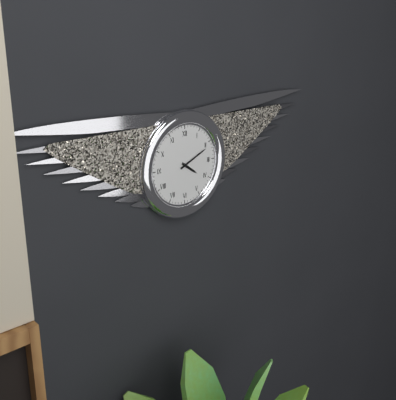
4:11
